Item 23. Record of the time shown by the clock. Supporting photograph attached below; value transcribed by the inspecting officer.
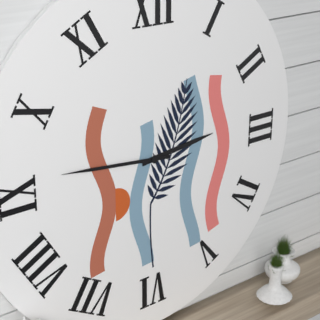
2:46
